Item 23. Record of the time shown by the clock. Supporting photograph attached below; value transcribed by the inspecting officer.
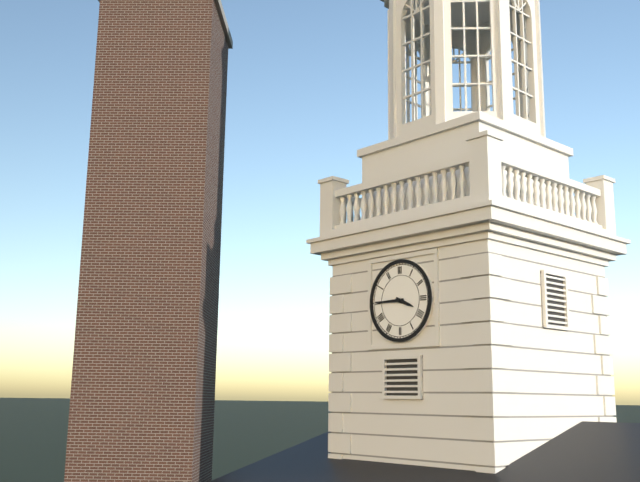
3:45
